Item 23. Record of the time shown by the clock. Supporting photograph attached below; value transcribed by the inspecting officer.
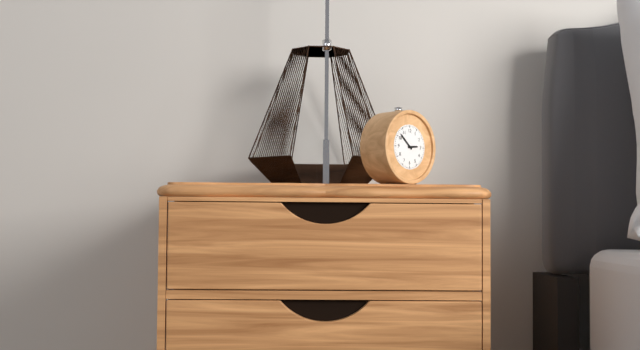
2:52
